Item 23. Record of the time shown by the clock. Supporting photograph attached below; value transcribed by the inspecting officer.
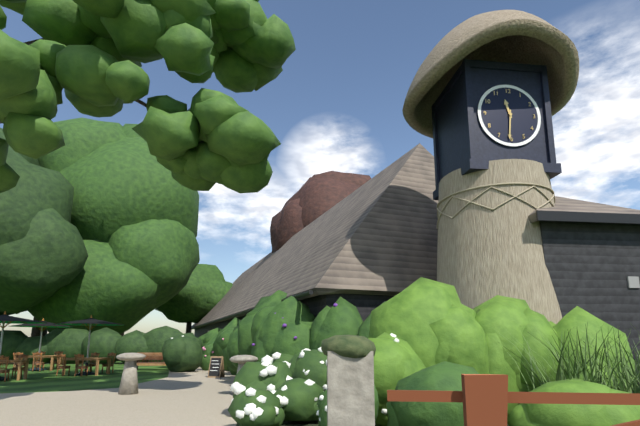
11:31
